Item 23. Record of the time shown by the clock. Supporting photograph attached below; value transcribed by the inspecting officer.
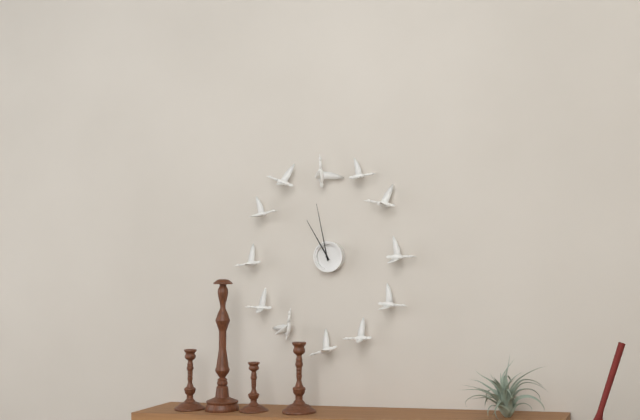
10:58
